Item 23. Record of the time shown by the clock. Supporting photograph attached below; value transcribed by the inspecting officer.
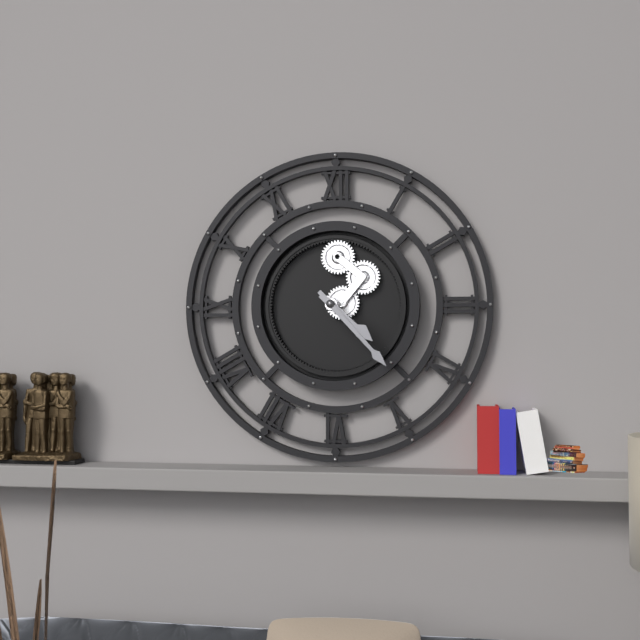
4:23
